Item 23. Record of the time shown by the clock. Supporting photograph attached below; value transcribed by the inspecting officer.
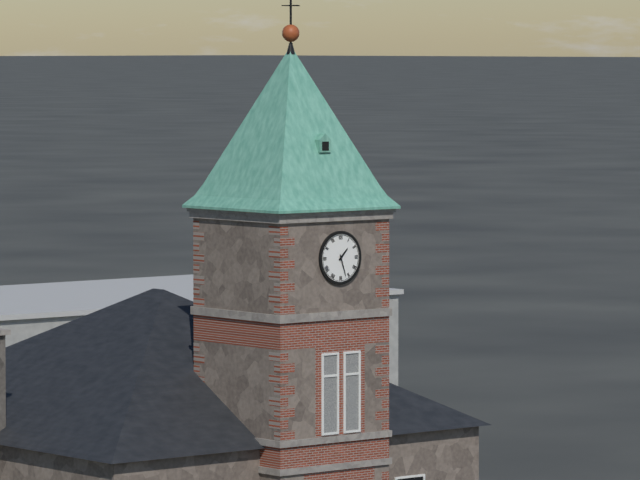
1:27
